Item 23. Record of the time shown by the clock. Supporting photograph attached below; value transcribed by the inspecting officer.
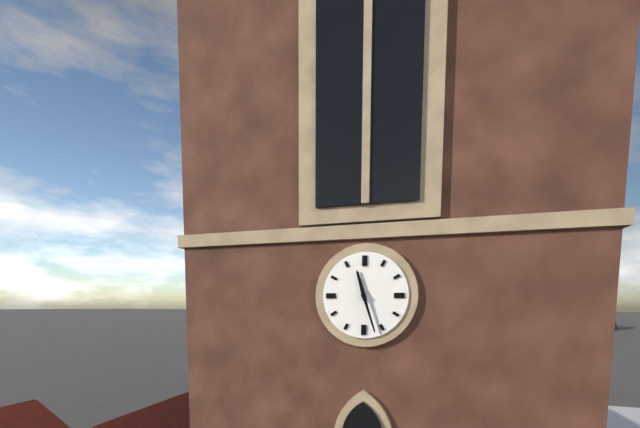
11:27
